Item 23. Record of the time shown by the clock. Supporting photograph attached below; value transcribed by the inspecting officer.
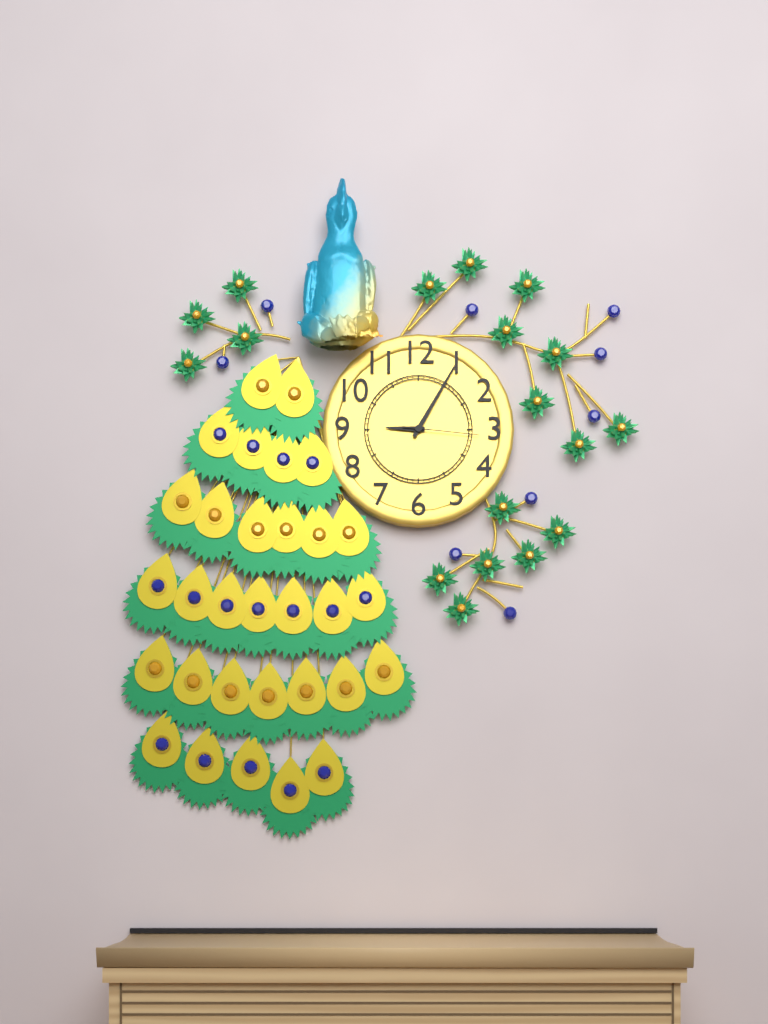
9:05:16
